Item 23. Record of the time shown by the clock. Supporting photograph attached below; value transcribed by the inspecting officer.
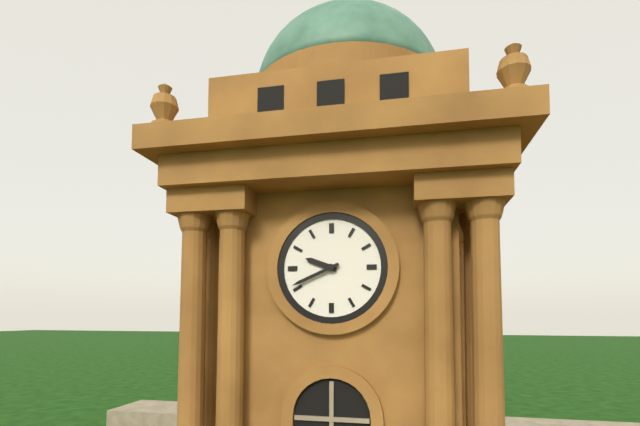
9:41
